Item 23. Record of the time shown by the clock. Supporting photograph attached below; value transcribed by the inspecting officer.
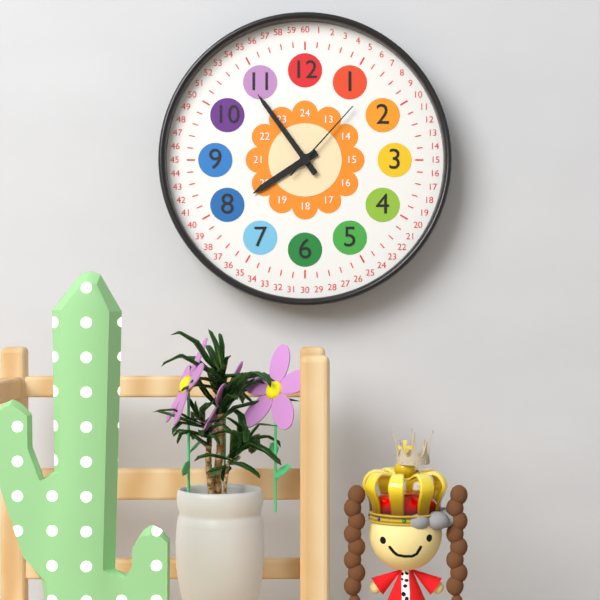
7:54:07
